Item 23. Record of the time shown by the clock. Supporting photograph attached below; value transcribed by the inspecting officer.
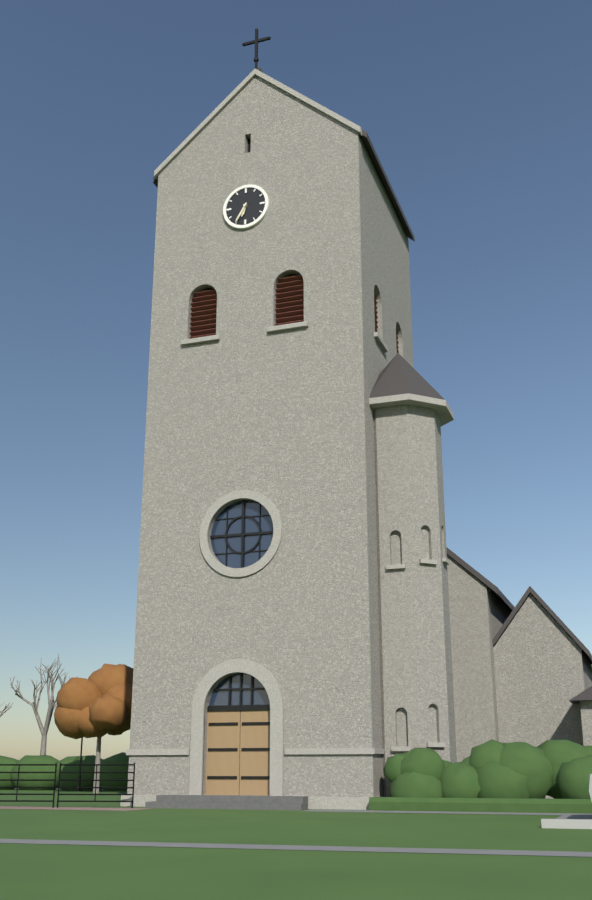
6:35
